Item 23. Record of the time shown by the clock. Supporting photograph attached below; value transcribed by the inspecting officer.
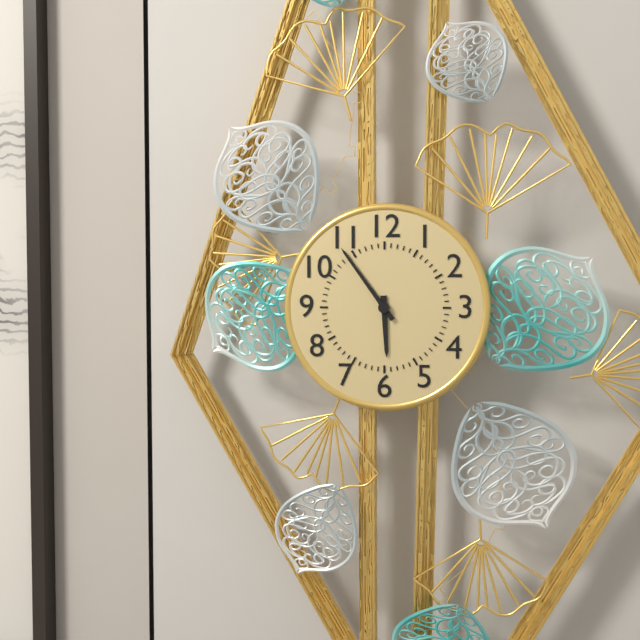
5:54
